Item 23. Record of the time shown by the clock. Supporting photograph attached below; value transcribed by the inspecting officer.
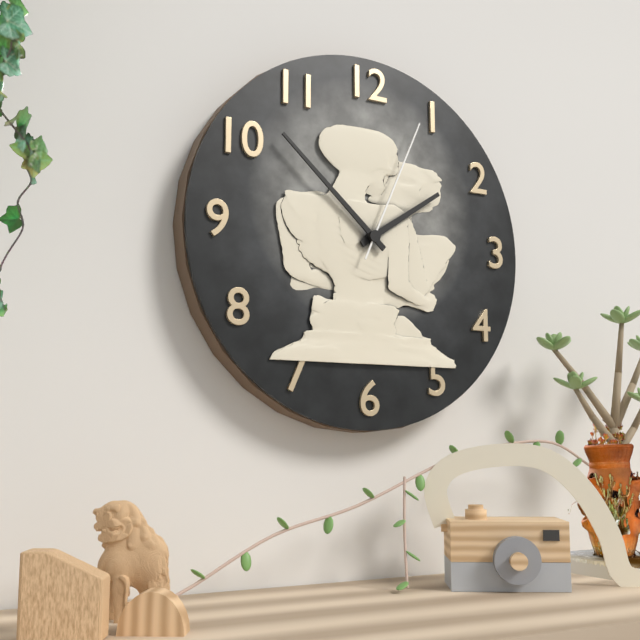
1:52:04
